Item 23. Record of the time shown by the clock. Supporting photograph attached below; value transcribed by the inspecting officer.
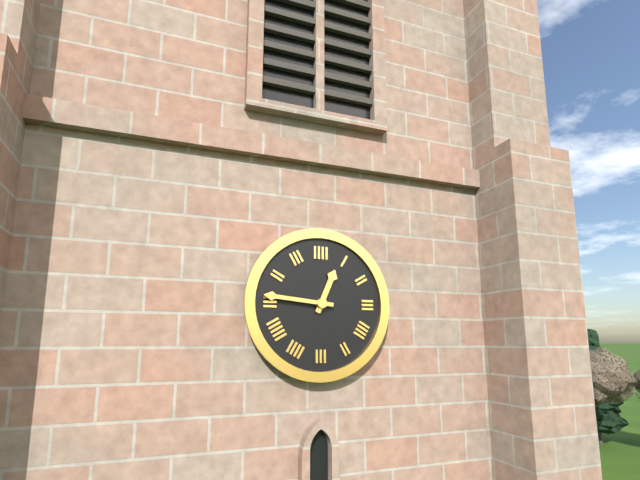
12:46
